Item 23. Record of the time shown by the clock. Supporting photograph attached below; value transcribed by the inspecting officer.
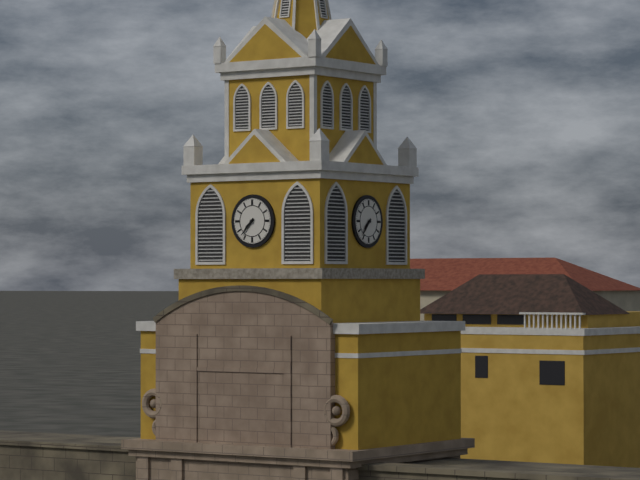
7:37
